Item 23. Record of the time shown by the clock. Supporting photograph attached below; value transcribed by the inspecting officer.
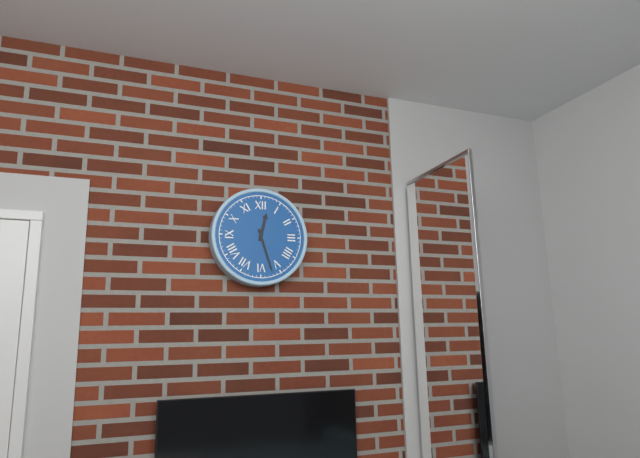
12:27
